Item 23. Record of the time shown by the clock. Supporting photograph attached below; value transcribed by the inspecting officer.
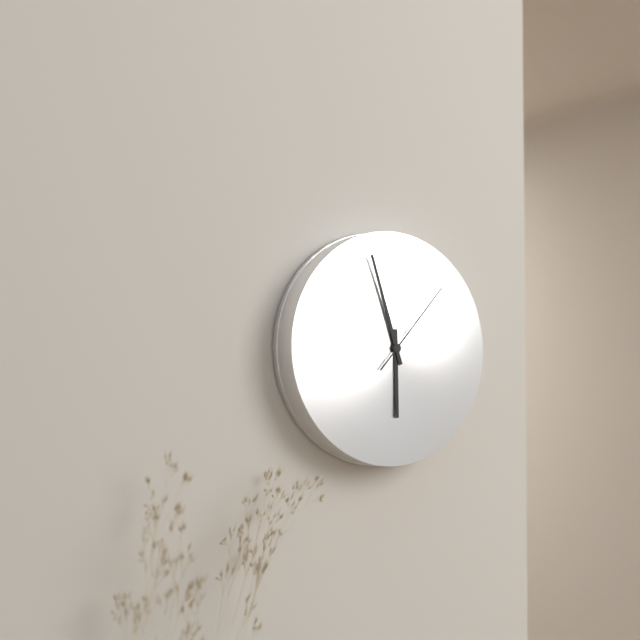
5:57:07
